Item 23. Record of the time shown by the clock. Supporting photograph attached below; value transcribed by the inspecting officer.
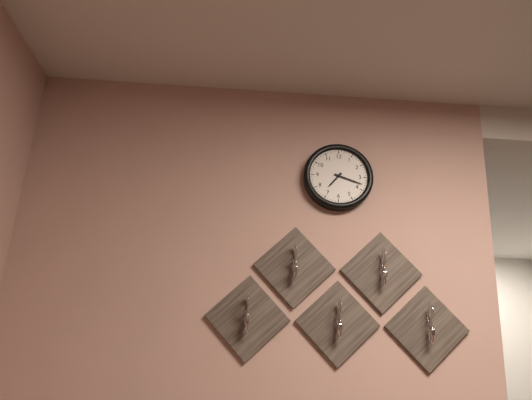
7:18
